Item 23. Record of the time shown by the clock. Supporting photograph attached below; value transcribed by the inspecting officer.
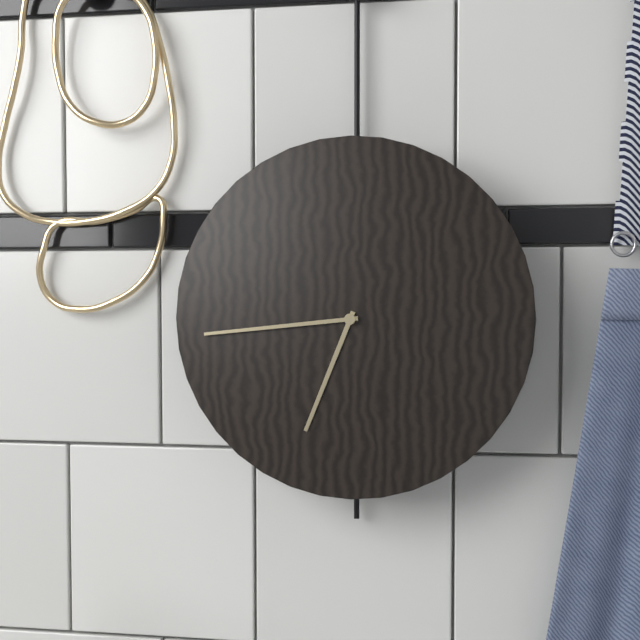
6:44
